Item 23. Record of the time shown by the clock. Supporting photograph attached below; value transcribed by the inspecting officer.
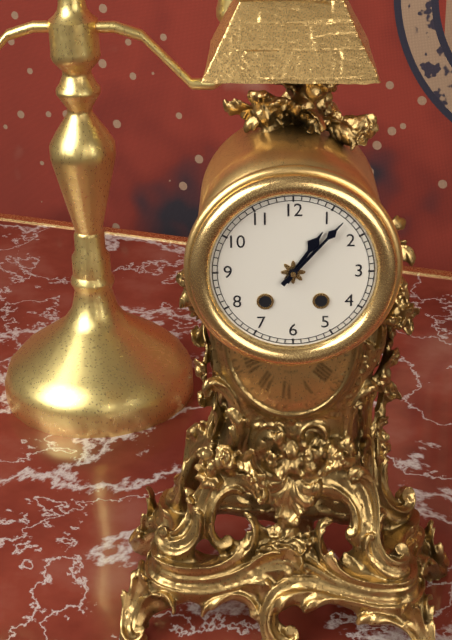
1:07
